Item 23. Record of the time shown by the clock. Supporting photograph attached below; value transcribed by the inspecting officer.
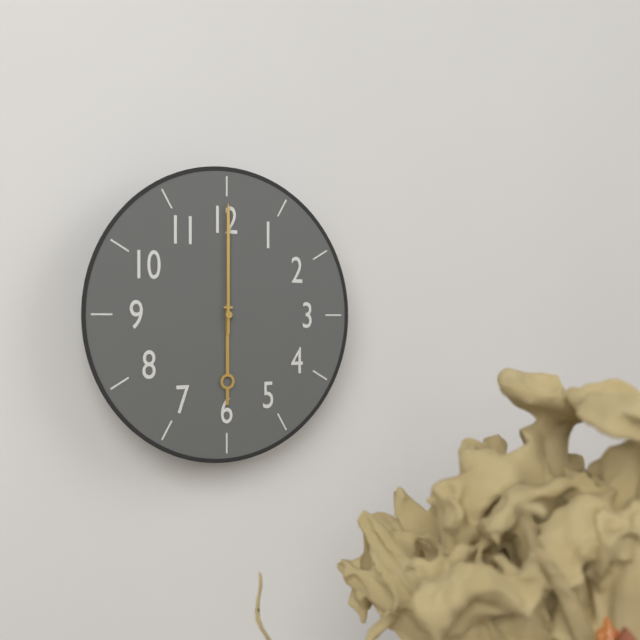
6:00
